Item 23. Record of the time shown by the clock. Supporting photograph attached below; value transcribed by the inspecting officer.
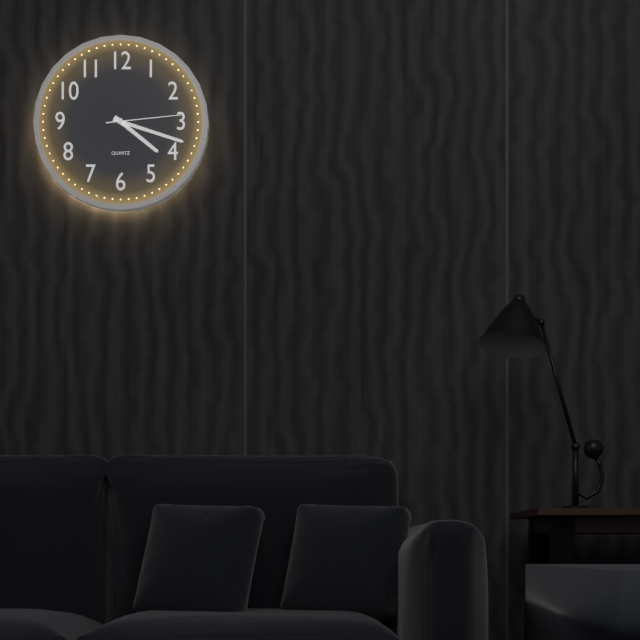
4:18:14
